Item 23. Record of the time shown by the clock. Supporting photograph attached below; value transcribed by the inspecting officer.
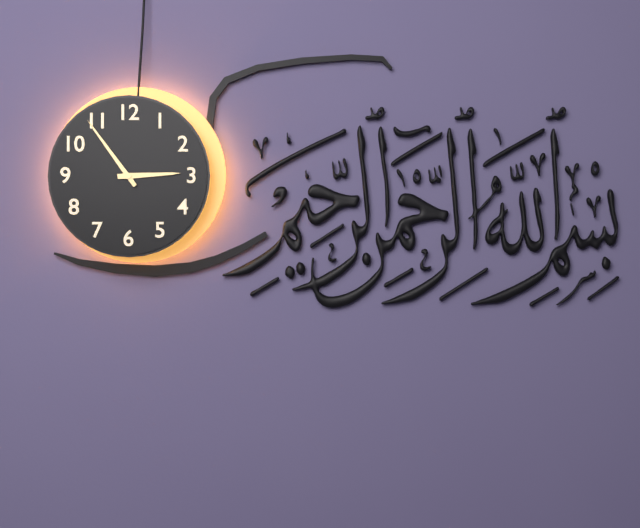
2:54
